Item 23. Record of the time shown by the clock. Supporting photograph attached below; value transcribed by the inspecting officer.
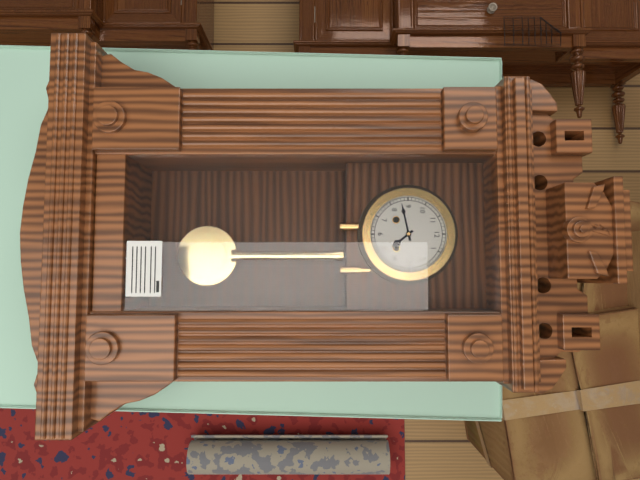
4:43
